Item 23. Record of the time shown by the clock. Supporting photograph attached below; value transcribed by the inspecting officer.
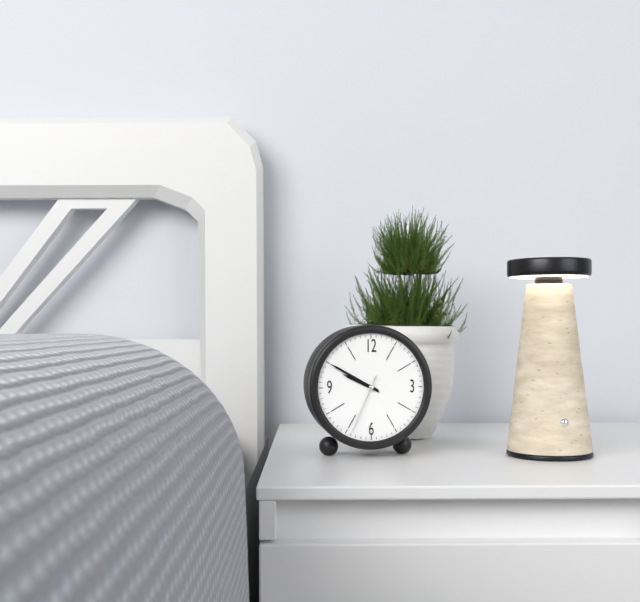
9:50:34
